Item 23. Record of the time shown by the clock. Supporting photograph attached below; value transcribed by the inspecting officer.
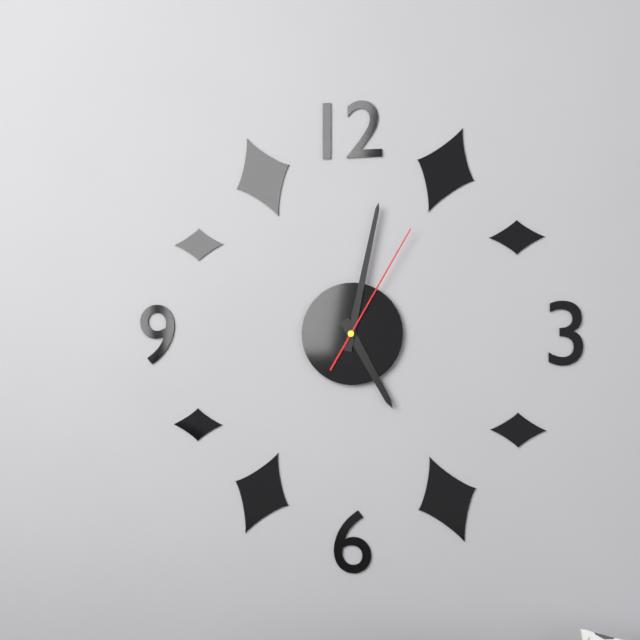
5:02:05
